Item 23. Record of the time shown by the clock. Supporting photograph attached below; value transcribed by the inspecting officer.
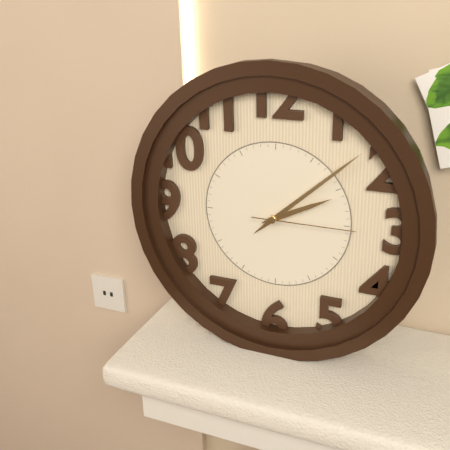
2:08:15
